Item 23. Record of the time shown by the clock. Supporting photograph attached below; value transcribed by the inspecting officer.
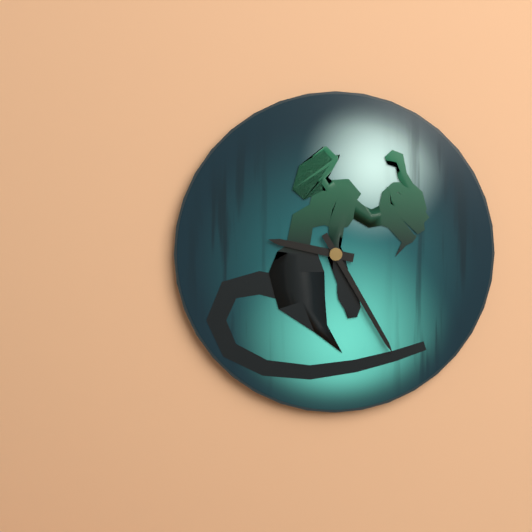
9:25
